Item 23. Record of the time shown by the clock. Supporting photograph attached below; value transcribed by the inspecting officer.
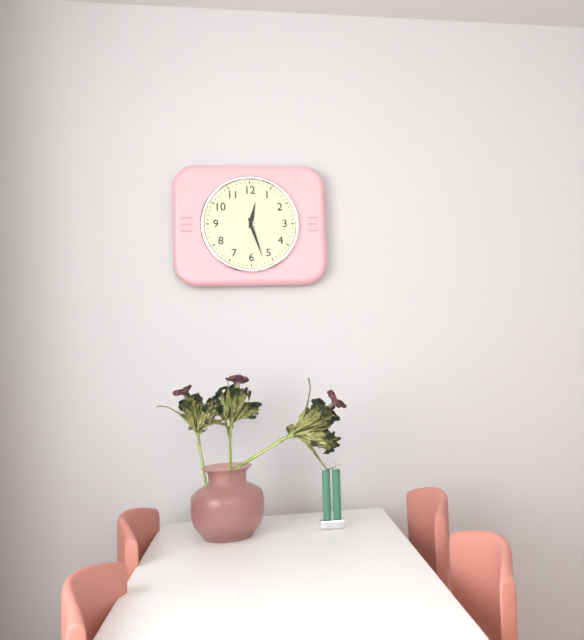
12:27
